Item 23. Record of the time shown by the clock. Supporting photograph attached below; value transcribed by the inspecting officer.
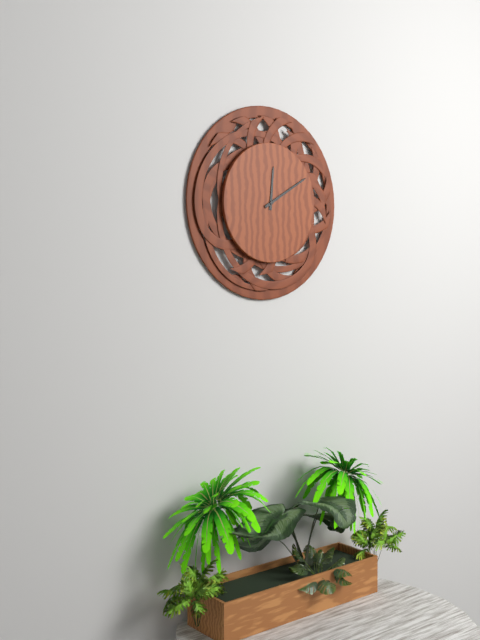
12:10
